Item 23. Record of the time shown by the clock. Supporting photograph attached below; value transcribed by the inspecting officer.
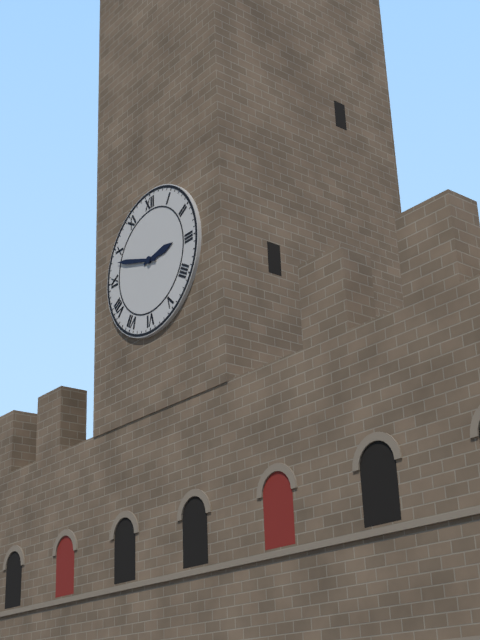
2:48
